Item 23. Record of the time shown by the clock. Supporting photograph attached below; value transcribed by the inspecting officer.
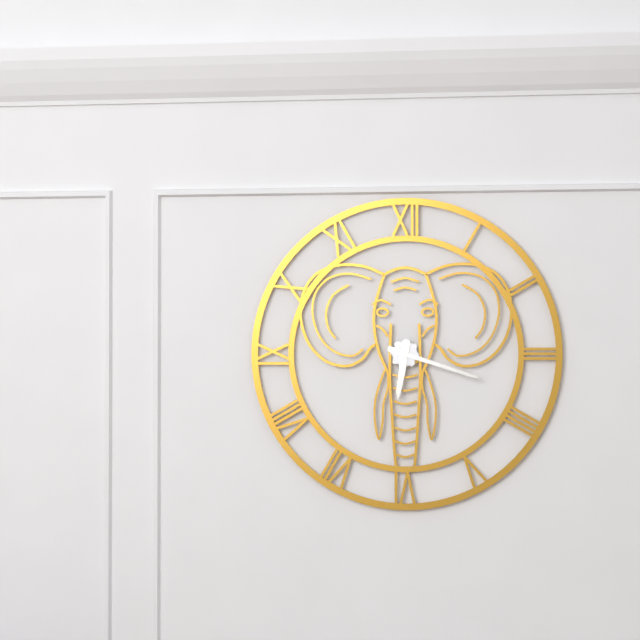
6:18
